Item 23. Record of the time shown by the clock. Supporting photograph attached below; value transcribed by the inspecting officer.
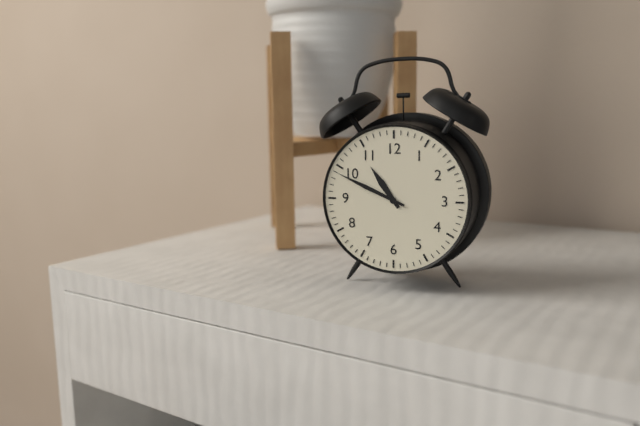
10:49
